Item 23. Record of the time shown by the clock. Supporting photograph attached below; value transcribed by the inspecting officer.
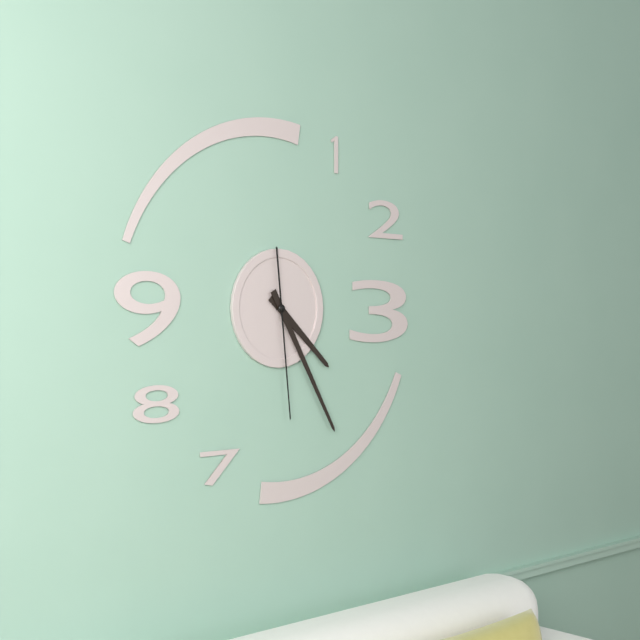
4:25:29
